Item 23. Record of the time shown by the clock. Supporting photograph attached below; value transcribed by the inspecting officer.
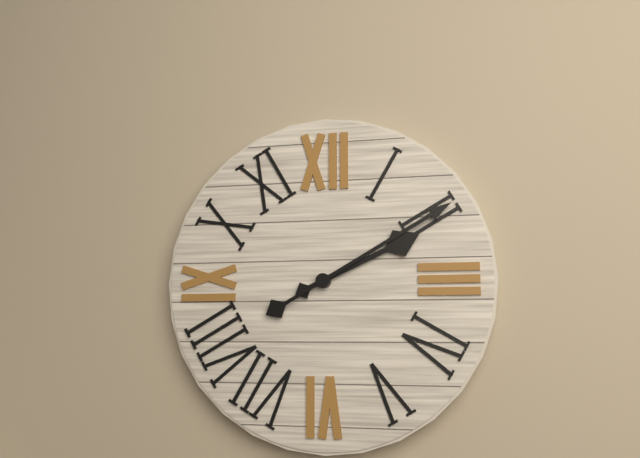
2:10
